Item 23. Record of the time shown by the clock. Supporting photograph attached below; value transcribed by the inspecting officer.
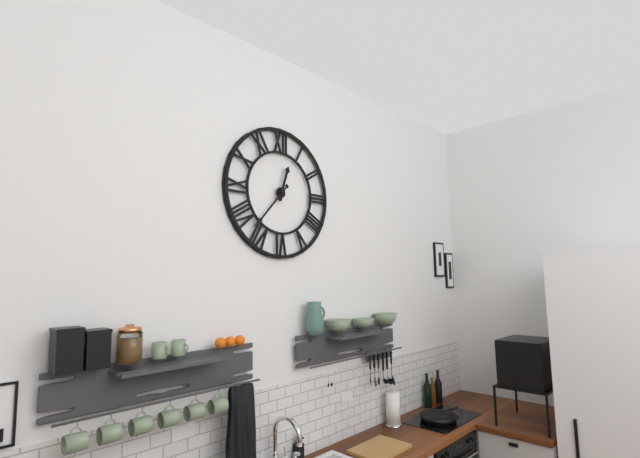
12:37
